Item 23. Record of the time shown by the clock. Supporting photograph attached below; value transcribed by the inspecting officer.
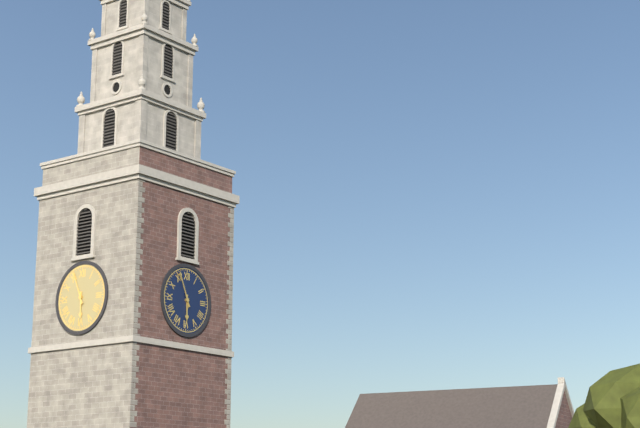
5:56
